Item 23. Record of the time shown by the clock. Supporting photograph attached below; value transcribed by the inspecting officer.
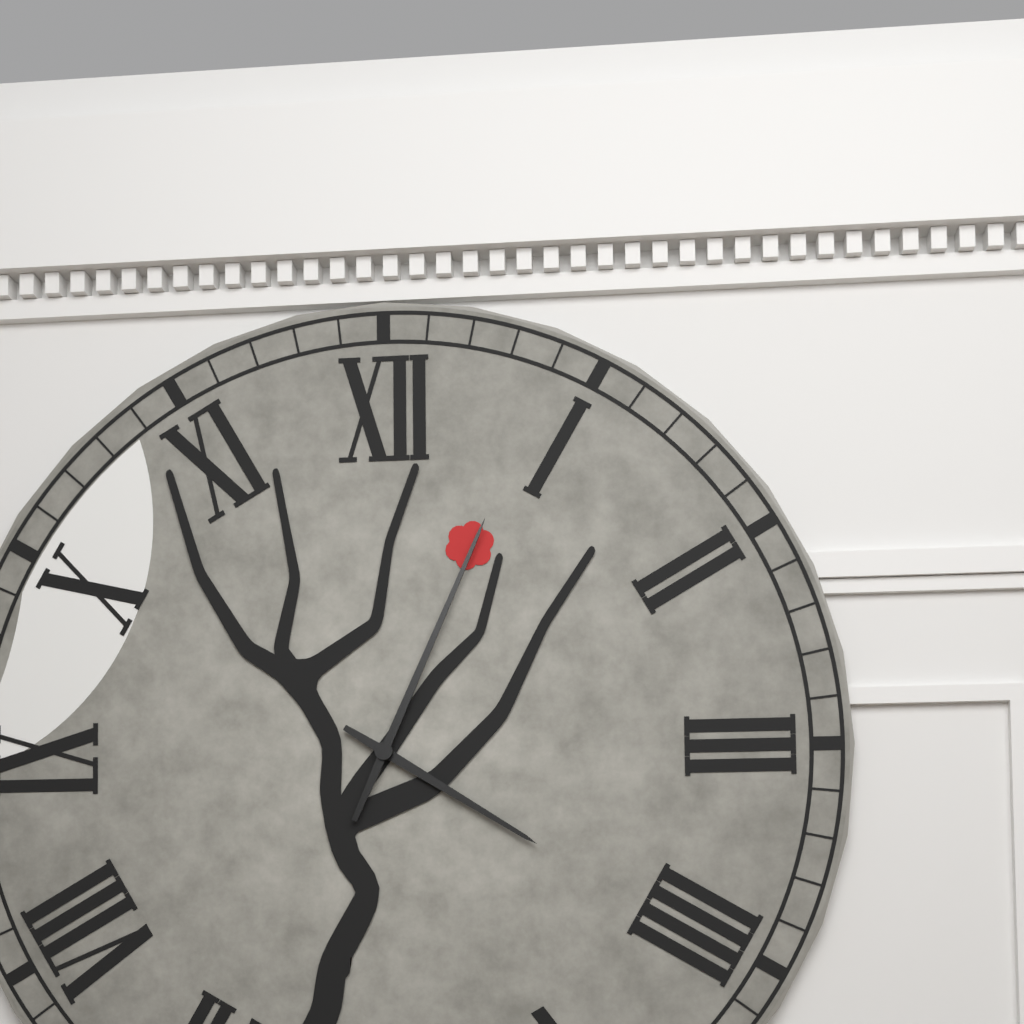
4:04
